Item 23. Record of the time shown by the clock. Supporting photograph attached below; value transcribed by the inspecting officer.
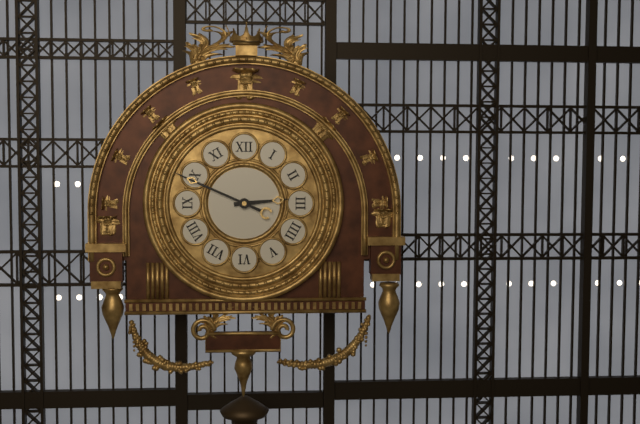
2:49
